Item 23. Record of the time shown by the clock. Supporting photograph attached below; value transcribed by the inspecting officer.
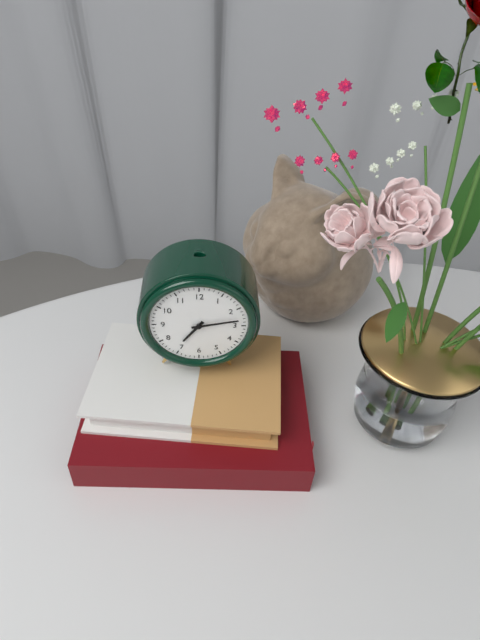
7:13
